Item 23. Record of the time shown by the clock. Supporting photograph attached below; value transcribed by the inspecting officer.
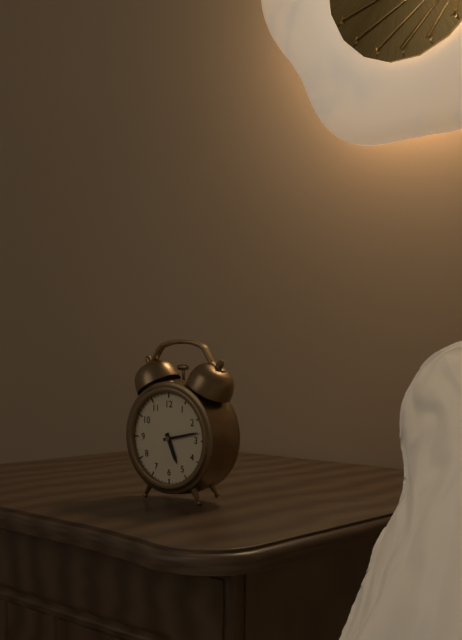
5:13
